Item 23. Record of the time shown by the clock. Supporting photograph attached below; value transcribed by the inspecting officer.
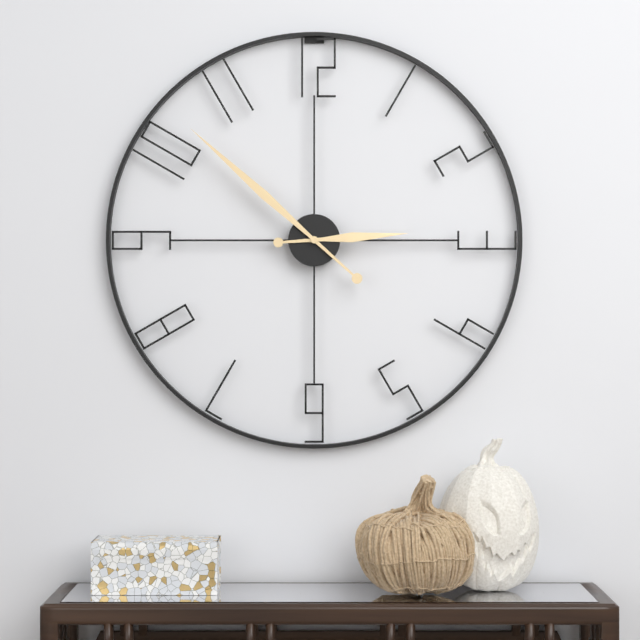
2:52
